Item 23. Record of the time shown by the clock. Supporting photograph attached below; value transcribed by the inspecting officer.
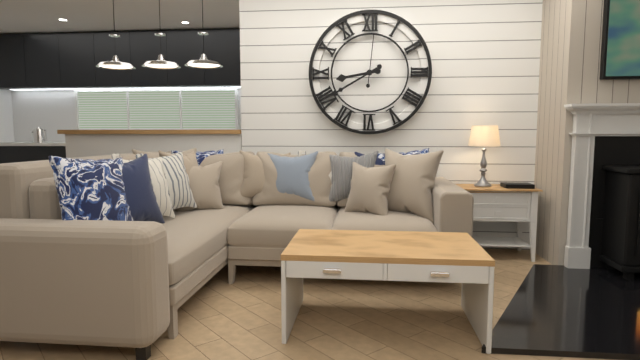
8:40
